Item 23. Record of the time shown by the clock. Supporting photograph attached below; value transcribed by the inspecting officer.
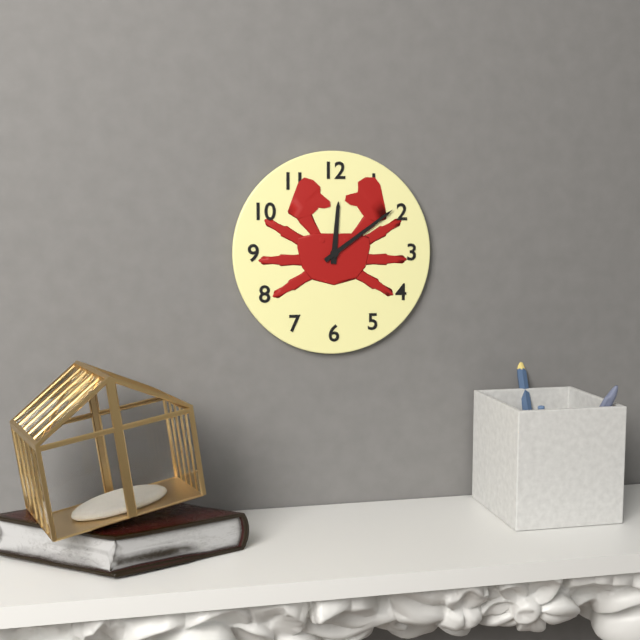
12:09
